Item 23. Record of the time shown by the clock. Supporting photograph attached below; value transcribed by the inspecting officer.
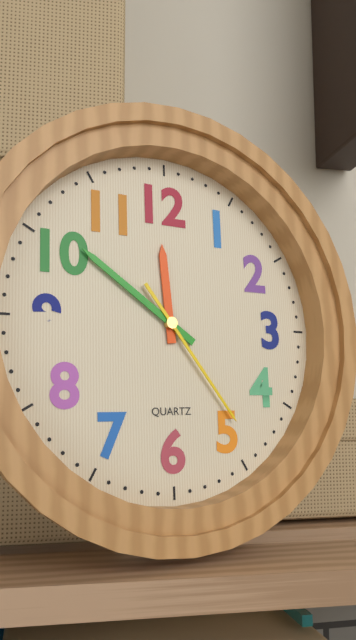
11:51:24
